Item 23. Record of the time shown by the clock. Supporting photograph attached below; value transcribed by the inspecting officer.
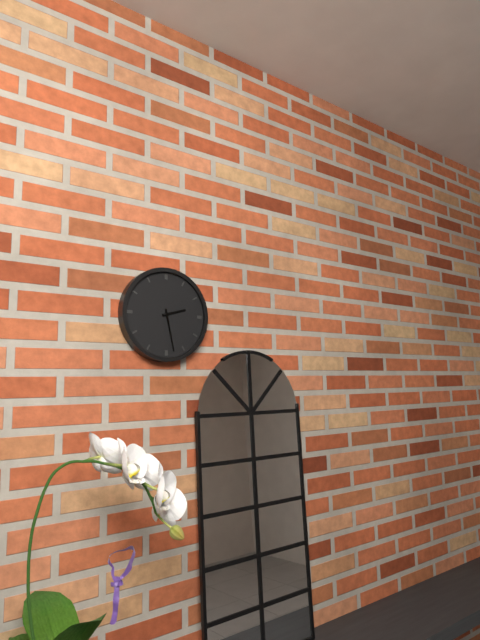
2:28
